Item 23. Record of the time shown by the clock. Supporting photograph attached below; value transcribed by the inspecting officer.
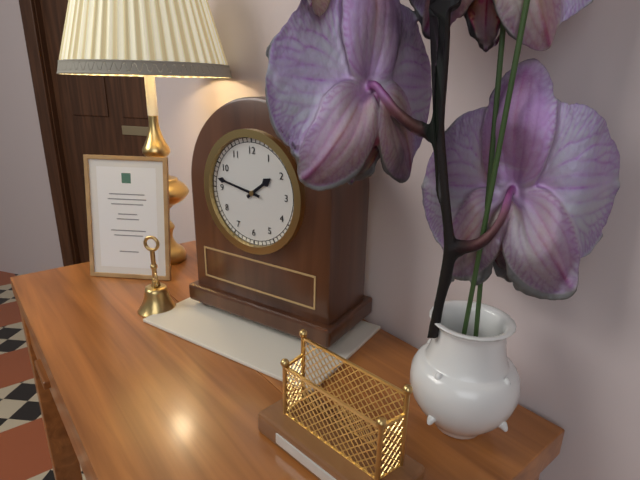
1:47
